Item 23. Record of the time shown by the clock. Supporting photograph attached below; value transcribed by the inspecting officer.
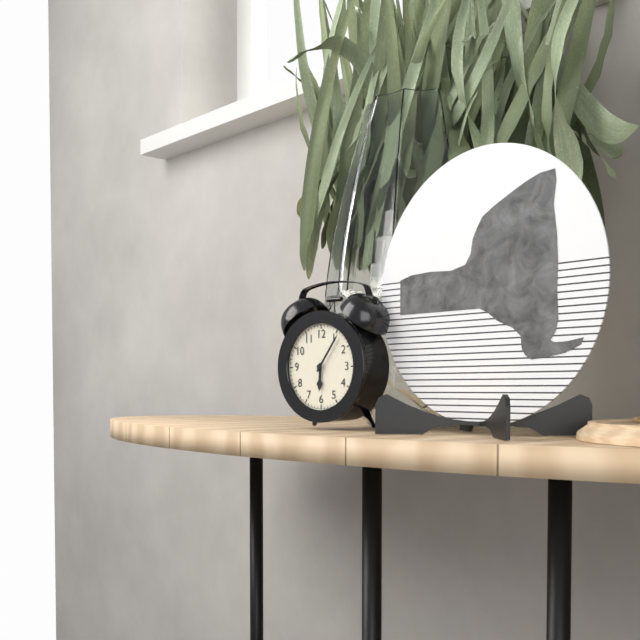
6:06
